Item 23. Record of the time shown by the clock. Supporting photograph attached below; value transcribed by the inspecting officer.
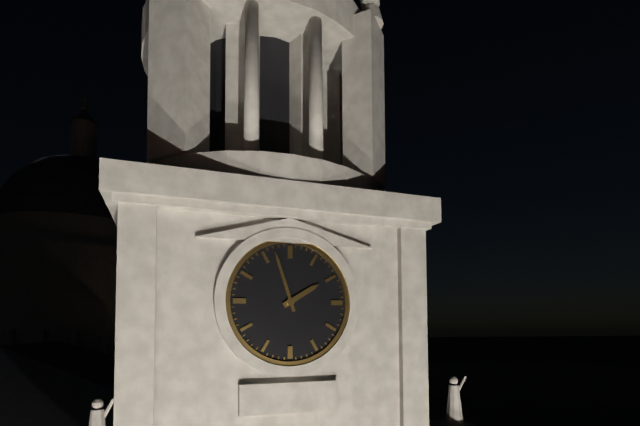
1:57
